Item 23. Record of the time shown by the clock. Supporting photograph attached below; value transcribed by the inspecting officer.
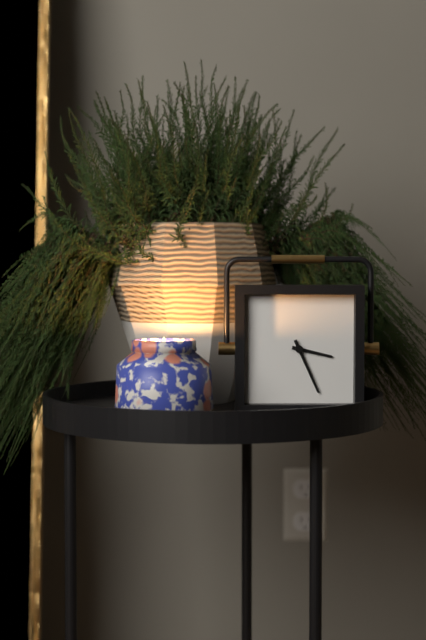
3:26
